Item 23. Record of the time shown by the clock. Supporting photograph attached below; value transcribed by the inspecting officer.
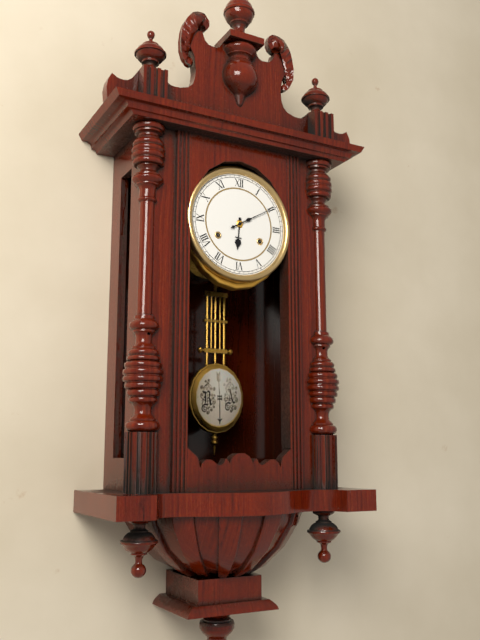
6:10
